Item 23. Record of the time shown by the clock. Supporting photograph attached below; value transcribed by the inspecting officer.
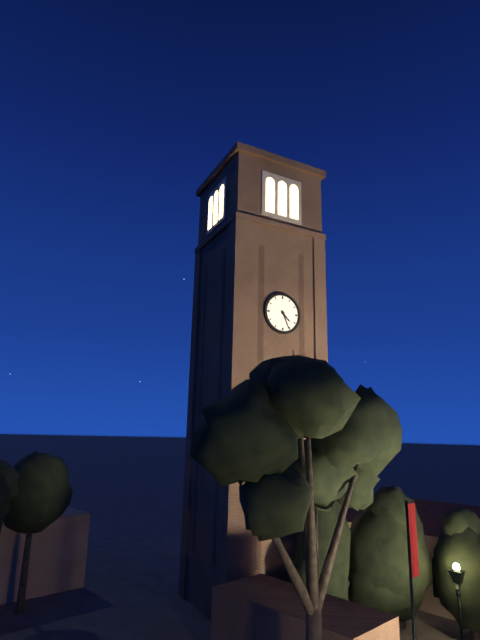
4:26
